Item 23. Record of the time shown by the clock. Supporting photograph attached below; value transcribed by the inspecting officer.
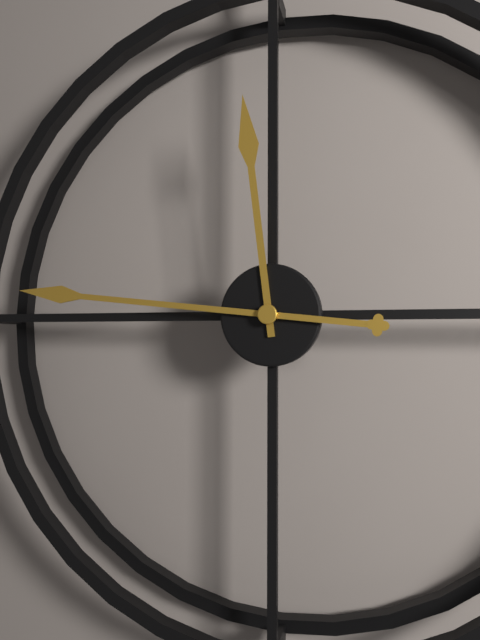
11:46
